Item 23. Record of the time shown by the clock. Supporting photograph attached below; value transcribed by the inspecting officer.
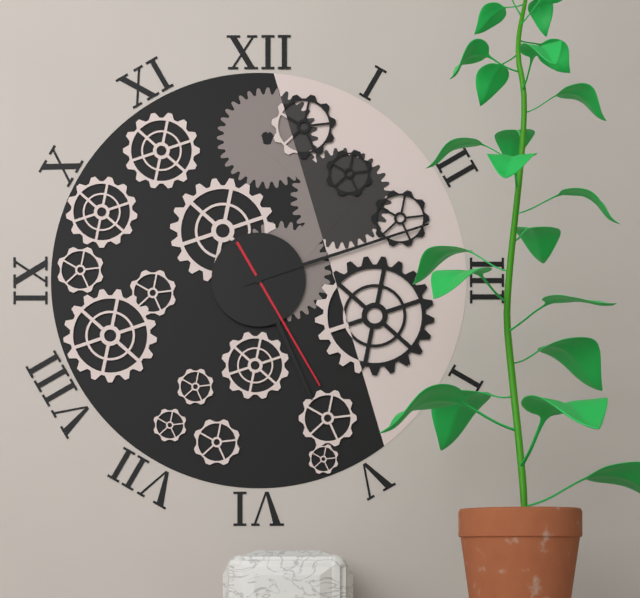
5:12:25
